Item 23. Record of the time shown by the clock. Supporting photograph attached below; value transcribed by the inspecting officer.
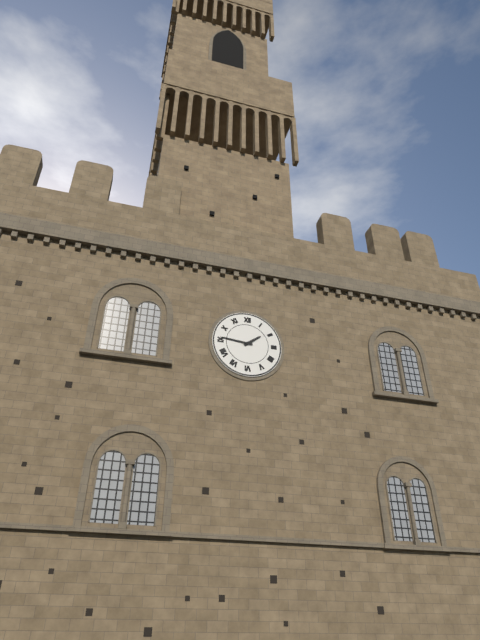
1:46
